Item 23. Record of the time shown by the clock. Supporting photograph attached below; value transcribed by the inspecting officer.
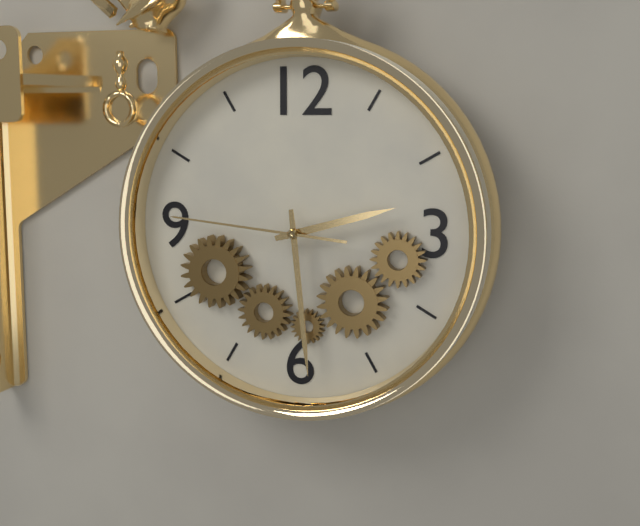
2:29:46
